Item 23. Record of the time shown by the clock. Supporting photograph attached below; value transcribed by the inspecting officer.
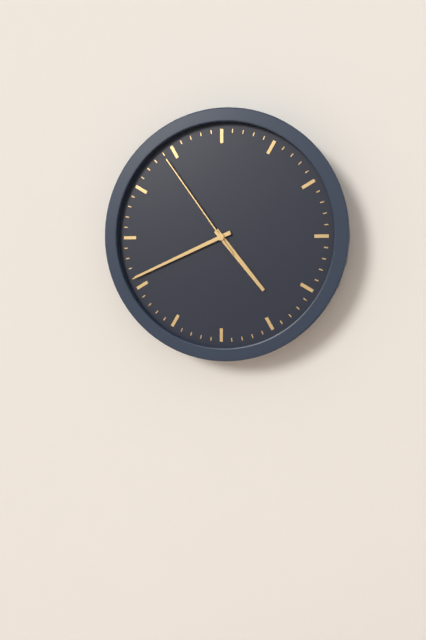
4:41:54
